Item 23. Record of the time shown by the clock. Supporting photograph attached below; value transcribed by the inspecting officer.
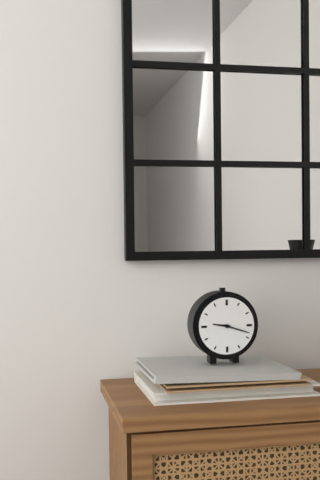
9:18
